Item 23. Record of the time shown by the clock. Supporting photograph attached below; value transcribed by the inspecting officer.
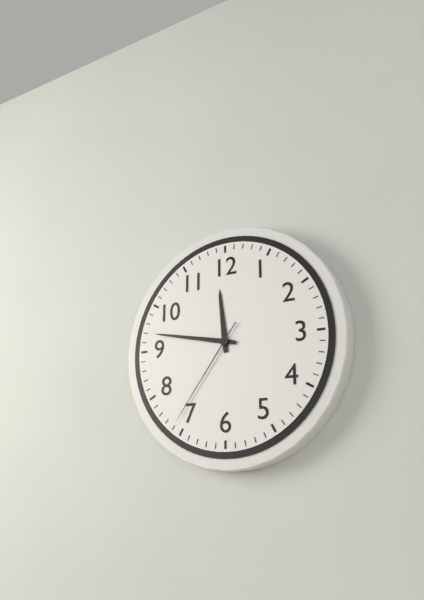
11:47:36
